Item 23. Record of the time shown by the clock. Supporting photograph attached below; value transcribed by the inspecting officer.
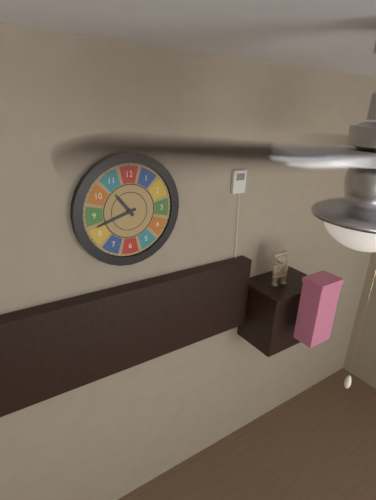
10:42
